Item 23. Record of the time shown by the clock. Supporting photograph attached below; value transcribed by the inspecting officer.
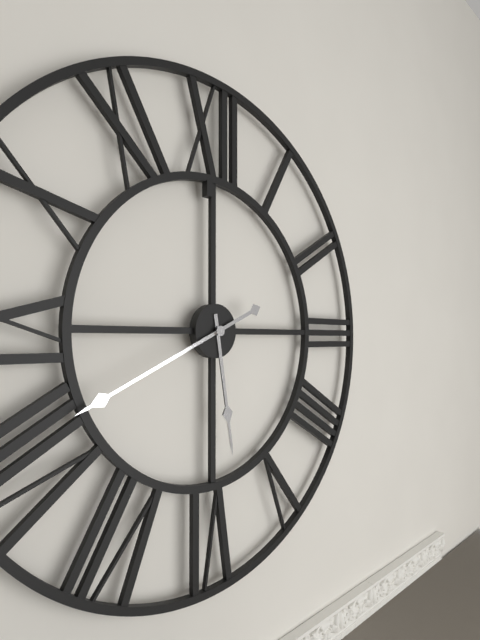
5:41
